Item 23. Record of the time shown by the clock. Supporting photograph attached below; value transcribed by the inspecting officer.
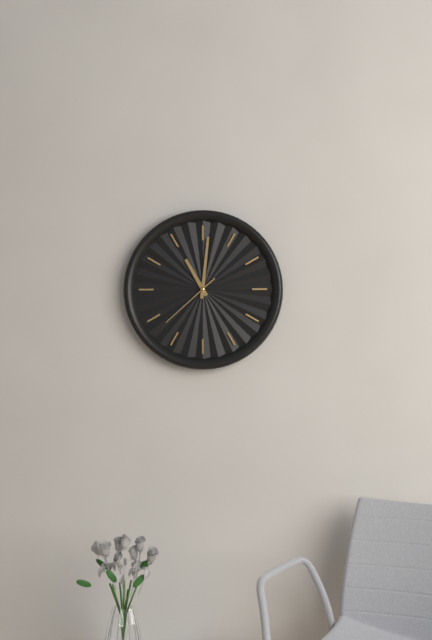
11:01:38
